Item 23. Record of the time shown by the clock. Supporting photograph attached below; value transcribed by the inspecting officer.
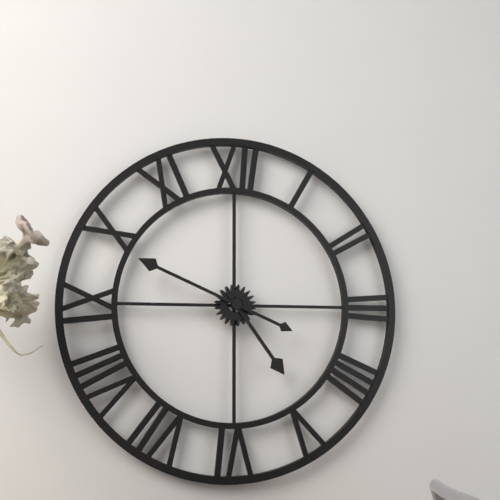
4:49
